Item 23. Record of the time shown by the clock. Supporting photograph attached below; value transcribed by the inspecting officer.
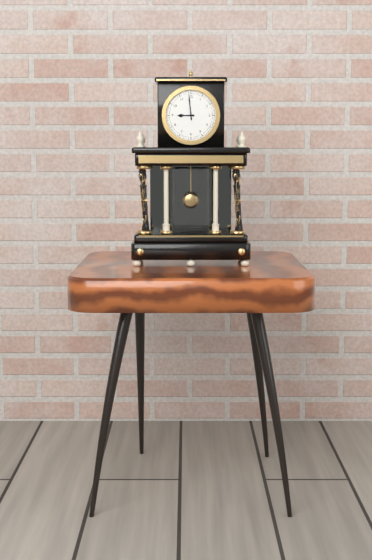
8:59
